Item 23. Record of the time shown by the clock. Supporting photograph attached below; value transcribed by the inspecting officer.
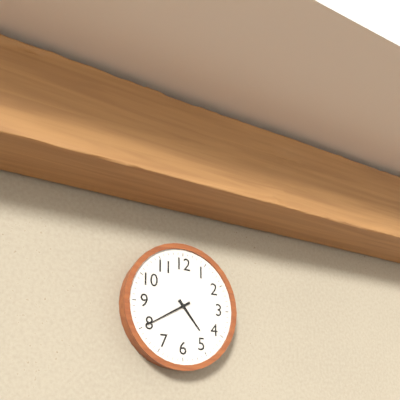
4:40
